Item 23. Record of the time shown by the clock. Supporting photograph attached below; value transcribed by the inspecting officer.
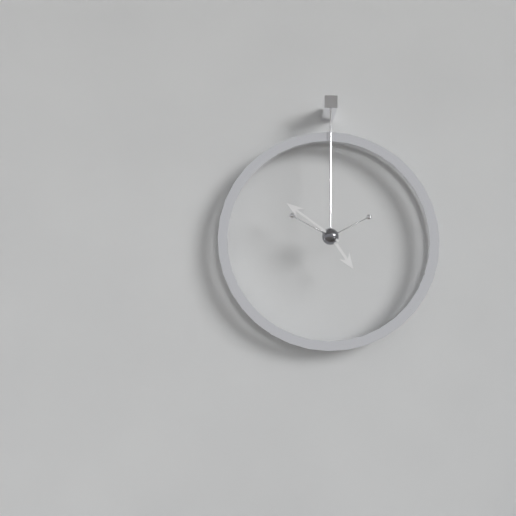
4:51
